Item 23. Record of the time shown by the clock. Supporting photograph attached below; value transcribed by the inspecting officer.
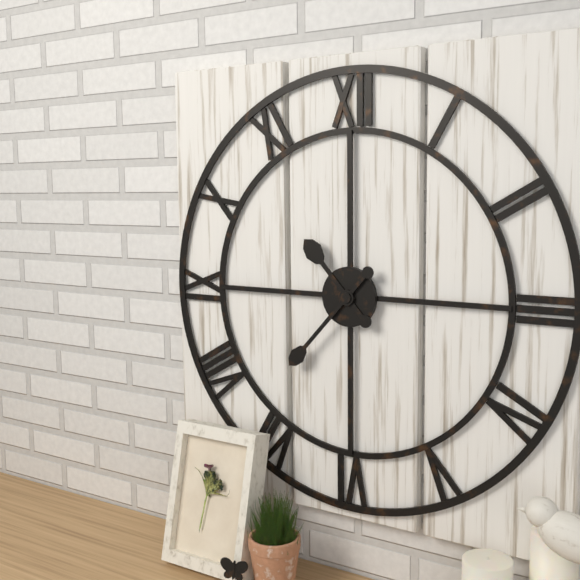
10:37
